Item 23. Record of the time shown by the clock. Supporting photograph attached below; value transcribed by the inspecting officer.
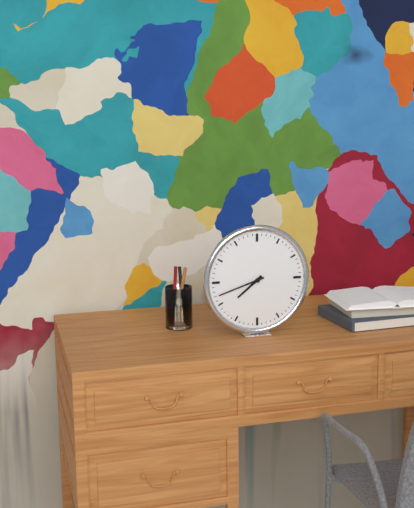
7:42
